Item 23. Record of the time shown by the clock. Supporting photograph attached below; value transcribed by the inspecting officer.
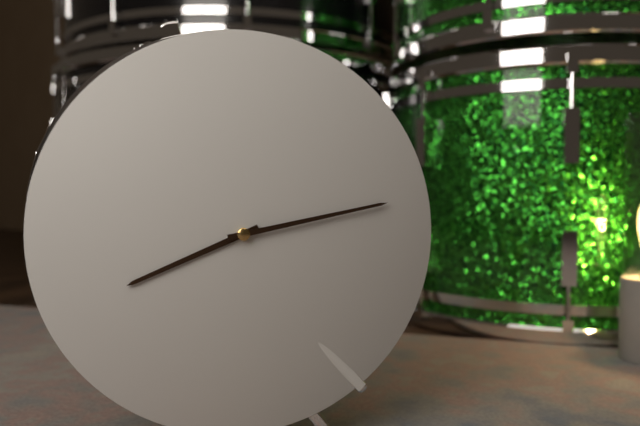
8:13
